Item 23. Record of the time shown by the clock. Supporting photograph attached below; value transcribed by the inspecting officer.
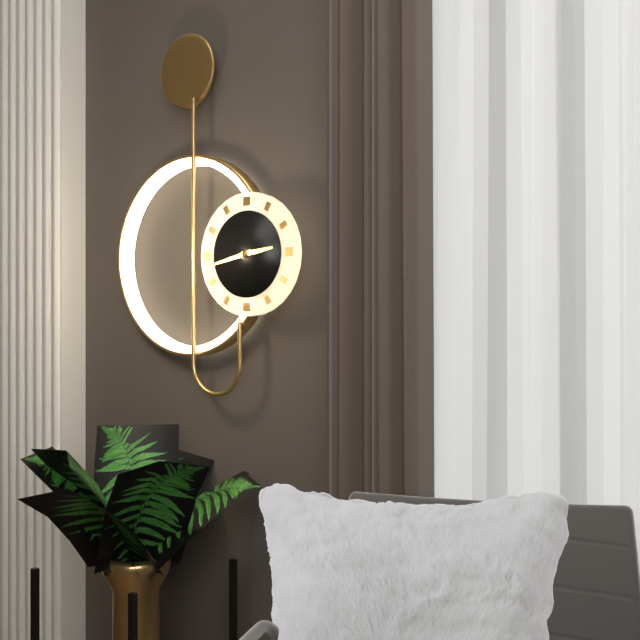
2:43
